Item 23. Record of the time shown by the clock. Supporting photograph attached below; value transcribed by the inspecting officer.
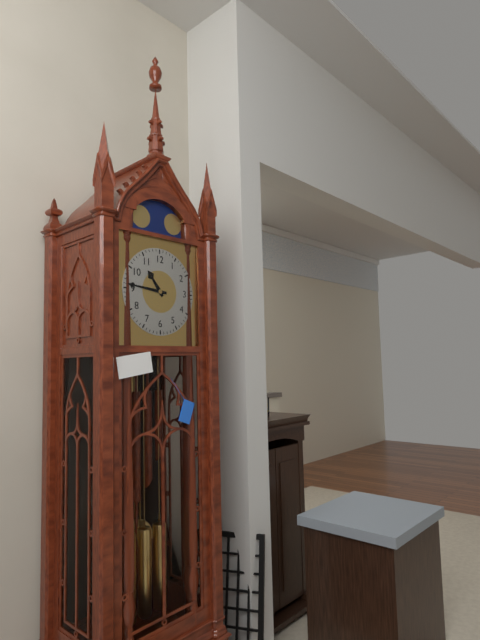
10:46
